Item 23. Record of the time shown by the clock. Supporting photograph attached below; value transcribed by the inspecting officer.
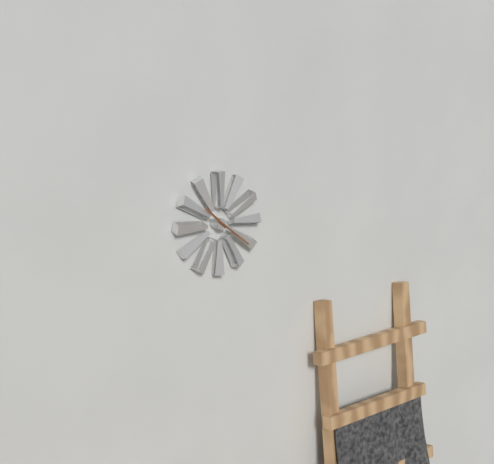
10:21
